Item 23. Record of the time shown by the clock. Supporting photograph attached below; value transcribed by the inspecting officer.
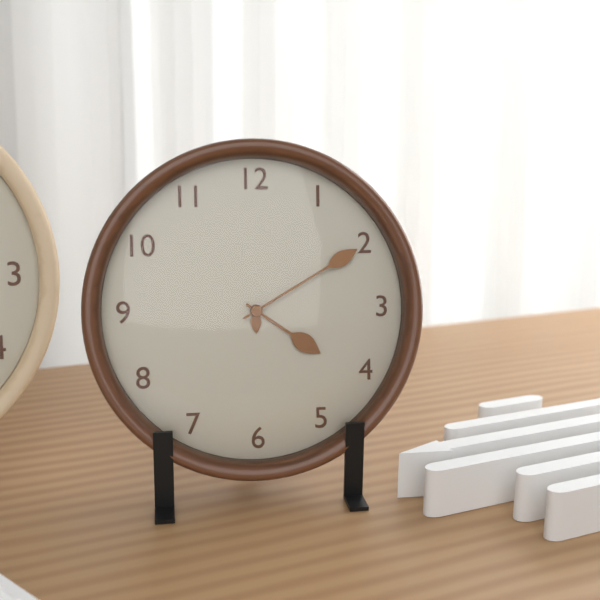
4:10
